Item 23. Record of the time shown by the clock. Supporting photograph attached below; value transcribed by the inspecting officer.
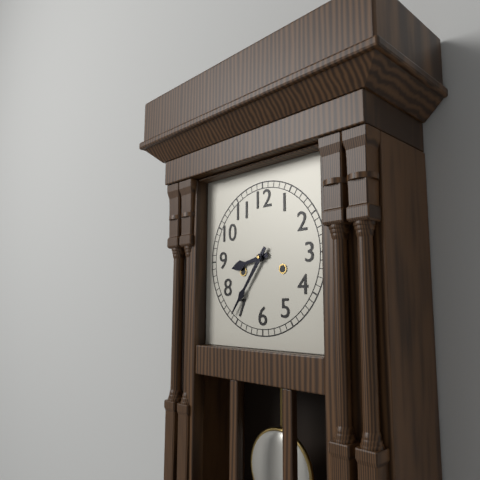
8:36
